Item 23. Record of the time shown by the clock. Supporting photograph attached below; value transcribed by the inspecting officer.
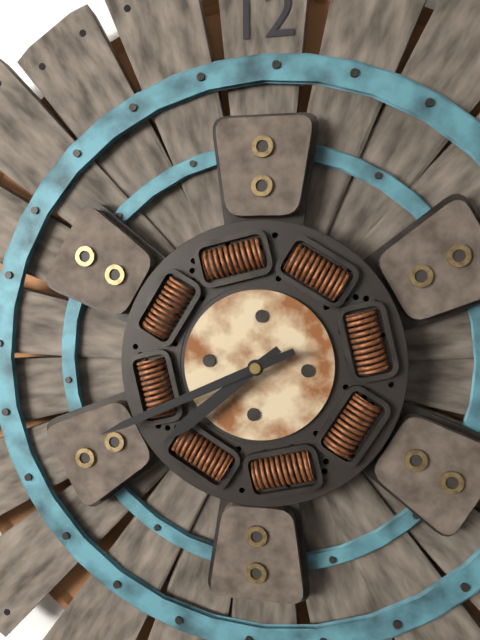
7:41
